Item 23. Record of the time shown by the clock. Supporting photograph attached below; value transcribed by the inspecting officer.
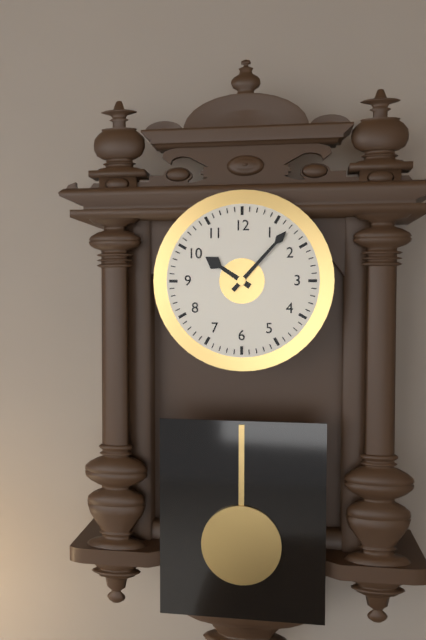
10:07
